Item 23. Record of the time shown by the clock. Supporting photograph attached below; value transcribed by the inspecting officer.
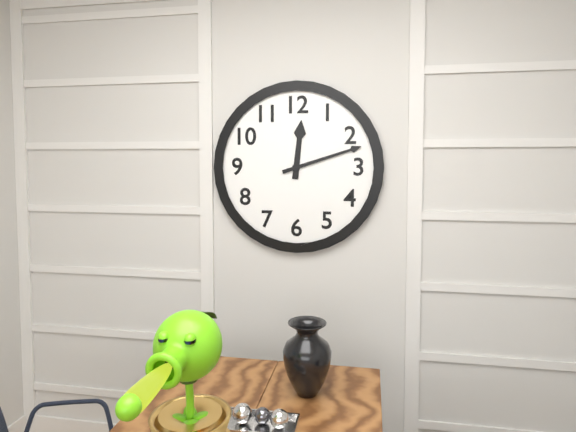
12:12
